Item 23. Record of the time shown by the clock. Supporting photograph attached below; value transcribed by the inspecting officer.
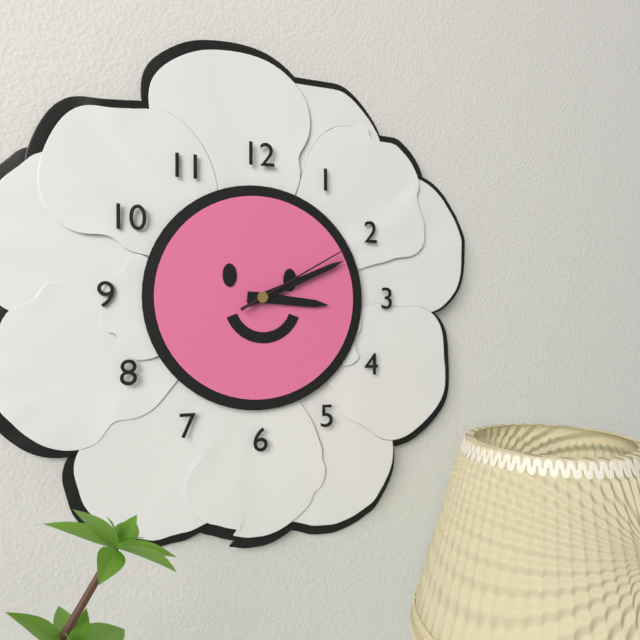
3:11:10
